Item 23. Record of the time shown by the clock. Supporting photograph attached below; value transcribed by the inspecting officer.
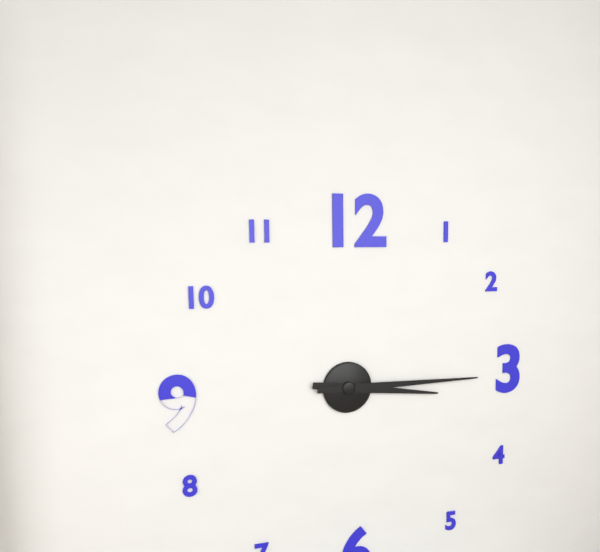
3:15
